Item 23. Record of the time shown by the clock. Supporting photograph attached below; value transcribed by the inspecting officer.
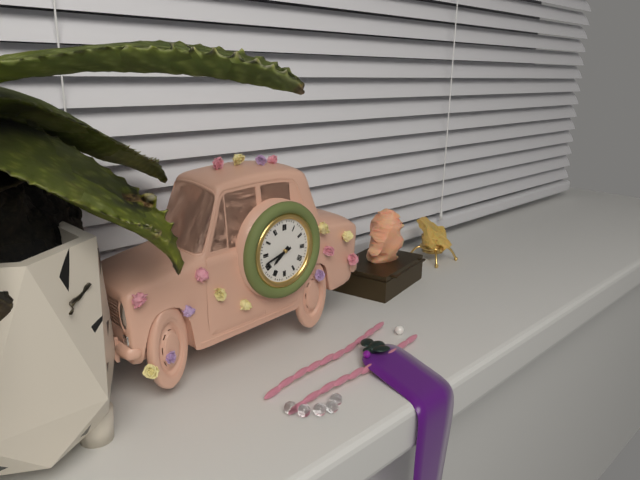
7:42
